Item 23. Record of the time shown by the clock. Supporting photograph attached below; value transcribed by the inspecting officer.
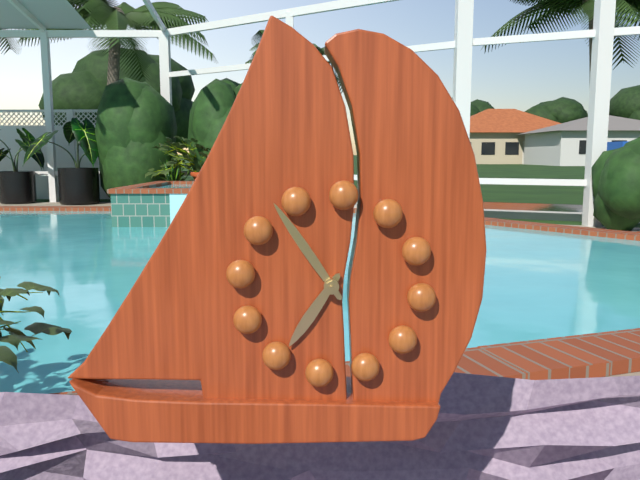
6:53
